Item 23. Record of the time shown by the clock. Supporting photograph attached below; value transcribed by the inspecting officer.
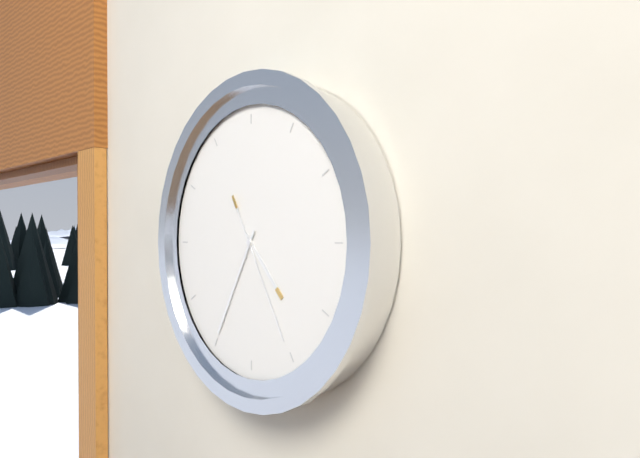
4:35:25
